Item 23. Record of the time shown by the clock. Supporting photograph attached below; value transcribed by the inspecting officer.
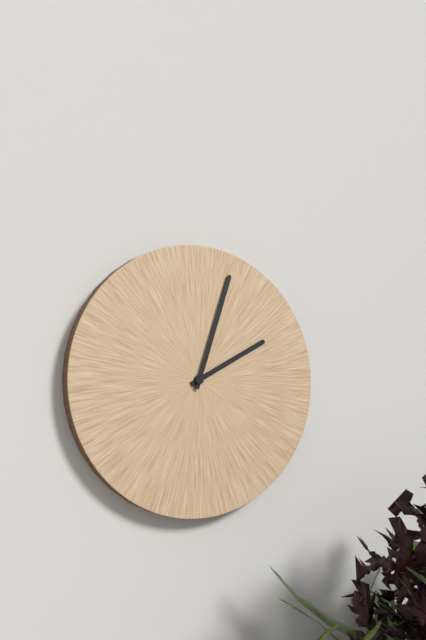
2:03
